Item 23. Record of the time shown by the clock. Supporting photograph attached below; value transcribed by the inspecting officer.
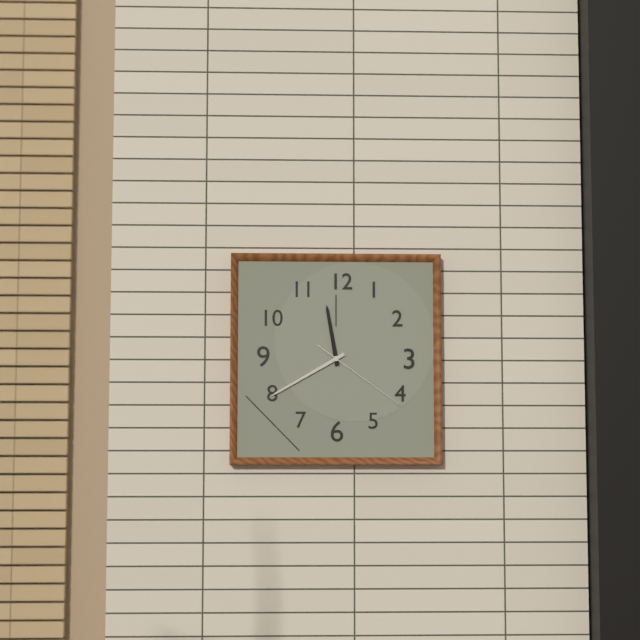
11:40:21
